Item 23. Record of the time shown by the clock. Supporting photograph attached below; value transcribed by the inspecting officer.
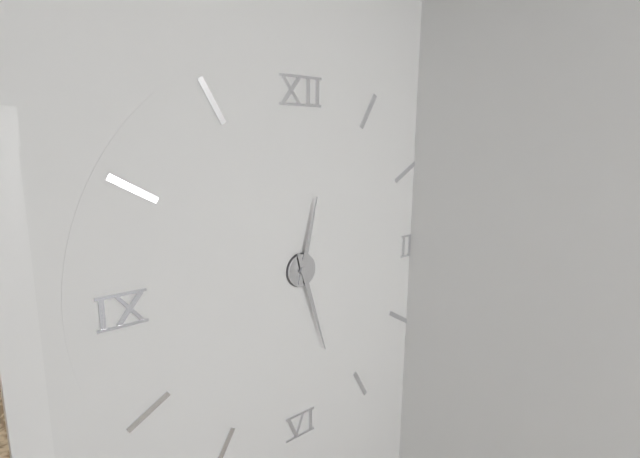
12:27
